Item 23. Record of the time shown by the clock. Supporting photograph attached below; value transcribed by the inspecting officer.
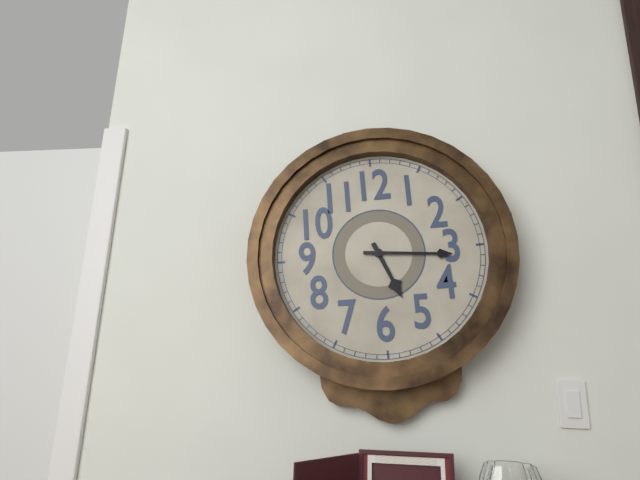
5:16
